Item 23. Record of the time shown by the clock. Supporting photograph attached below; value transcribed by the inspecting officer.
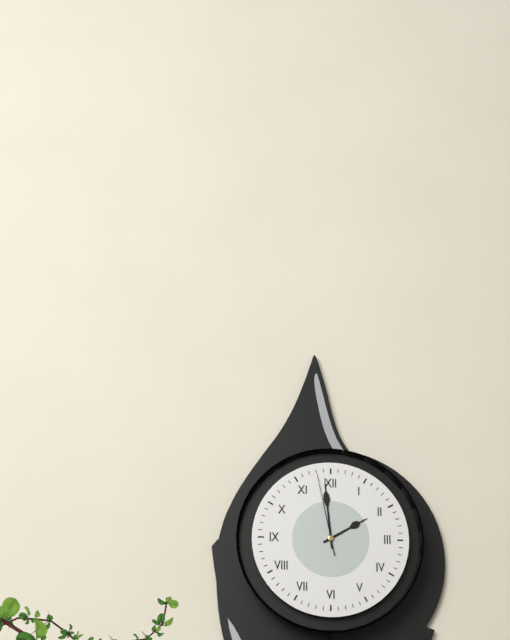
1:59:58
